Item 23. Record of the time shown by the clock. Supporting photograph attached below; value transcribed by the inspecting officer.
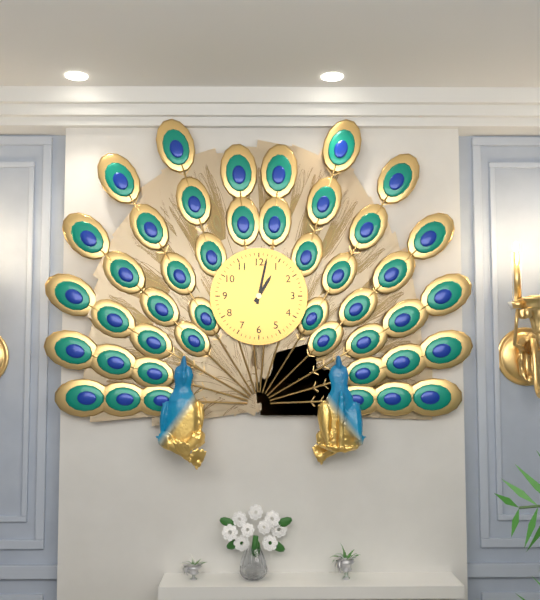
1:02
